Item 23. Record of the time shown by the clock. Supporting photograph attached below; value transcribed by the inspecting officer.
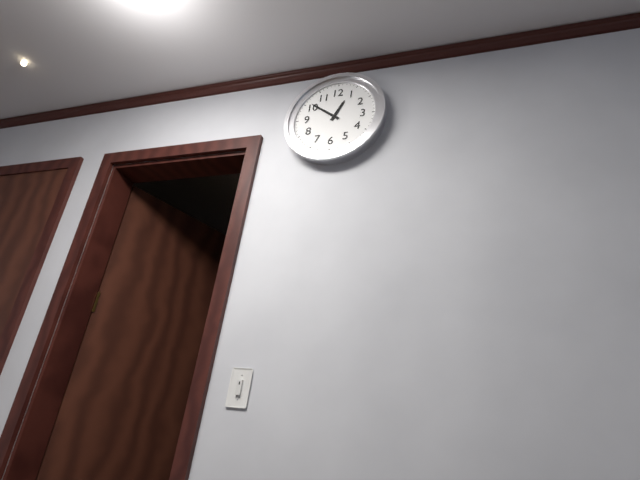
12:51
